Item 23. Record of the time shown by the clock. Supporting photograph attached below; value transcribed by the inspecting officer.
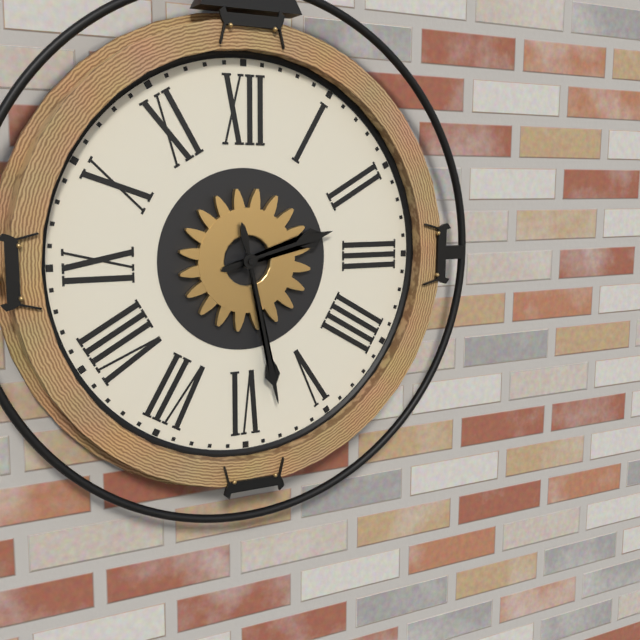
2:28
